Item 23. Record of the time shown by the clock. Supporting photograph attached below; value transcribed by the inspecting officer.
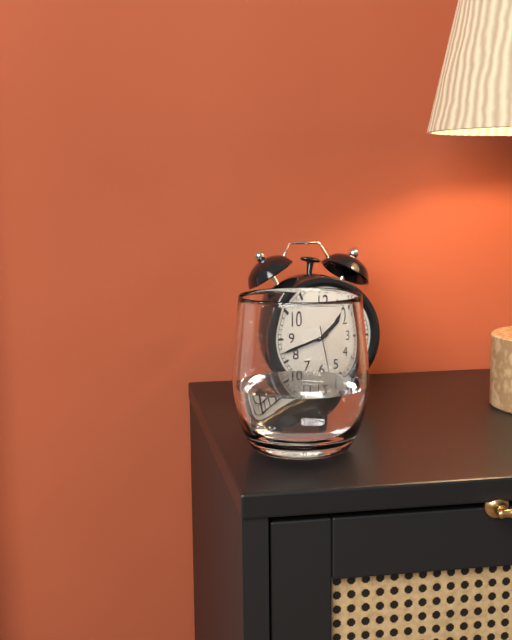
1:42:28
